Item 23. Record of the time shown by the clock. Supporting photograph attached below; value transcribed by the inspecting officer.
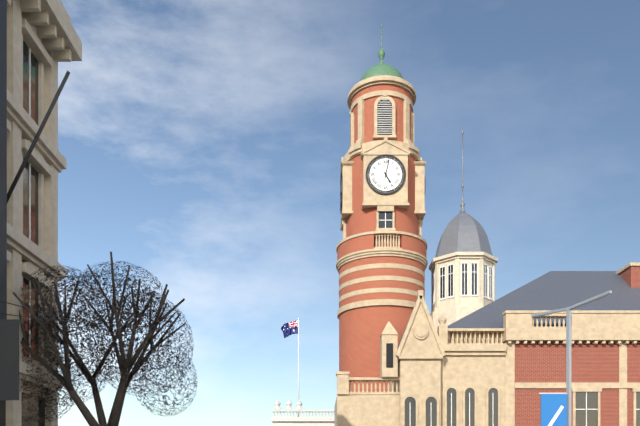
5:02
